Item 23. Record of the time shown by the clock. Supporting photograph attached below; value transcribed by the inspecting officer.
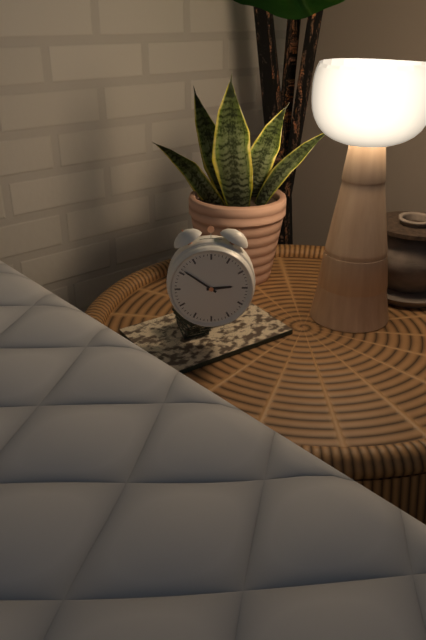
2:51
